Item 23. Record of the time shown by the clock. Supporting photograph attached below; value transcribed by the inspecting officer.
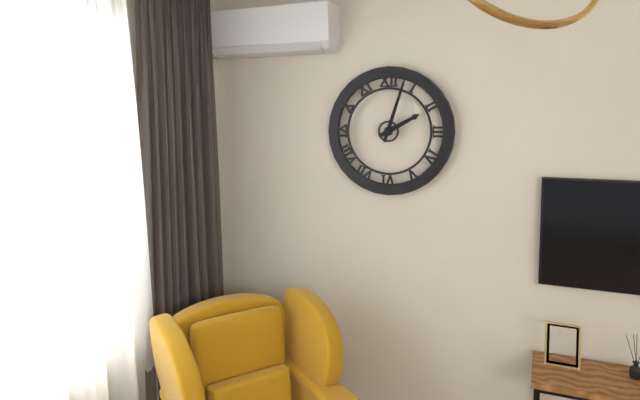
2:03
